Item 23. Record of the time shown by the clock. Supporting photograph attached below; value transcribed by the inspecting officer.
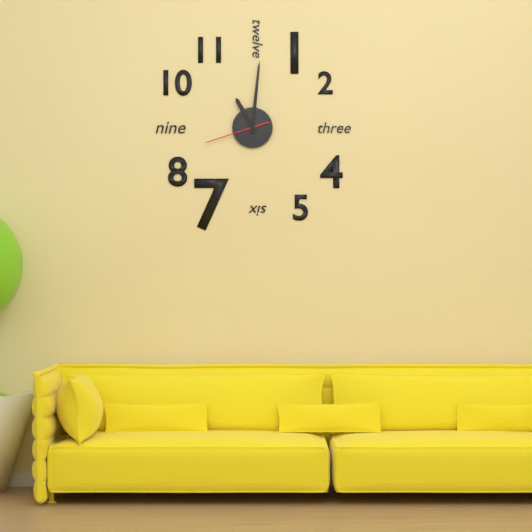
11:01:42
